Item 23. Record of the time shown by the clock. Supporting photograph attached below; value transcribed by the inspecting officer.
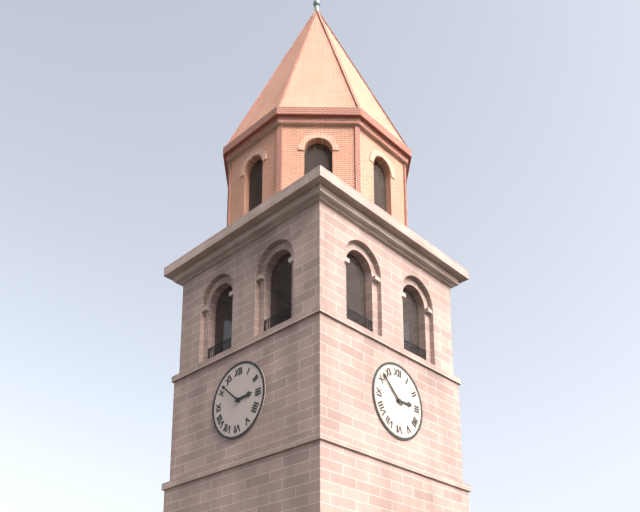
2:52
